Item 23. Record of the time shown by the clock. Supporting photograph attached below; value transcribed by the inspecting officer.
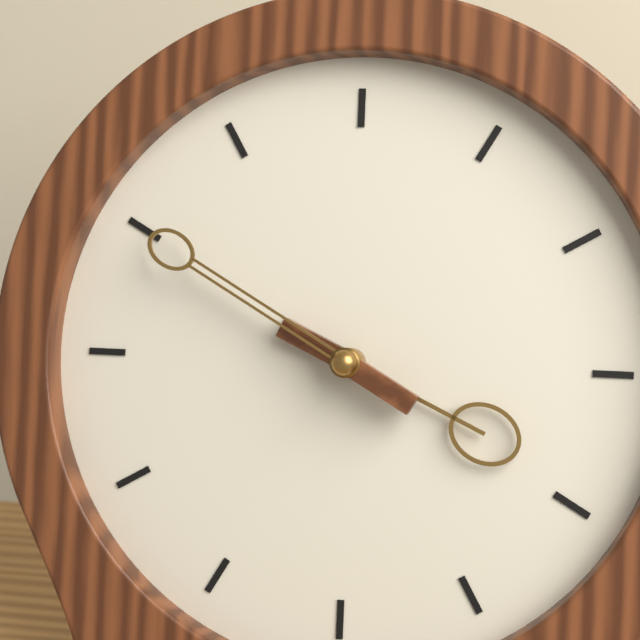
3:50
